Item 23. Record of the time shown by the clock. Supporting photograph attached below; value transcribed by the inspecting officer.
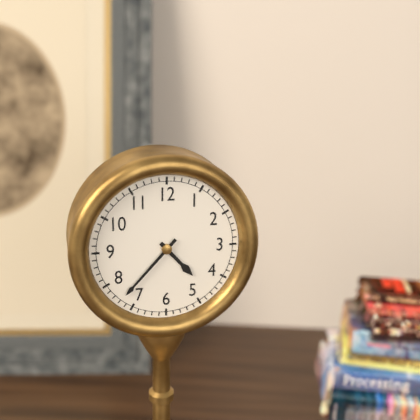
4:37
